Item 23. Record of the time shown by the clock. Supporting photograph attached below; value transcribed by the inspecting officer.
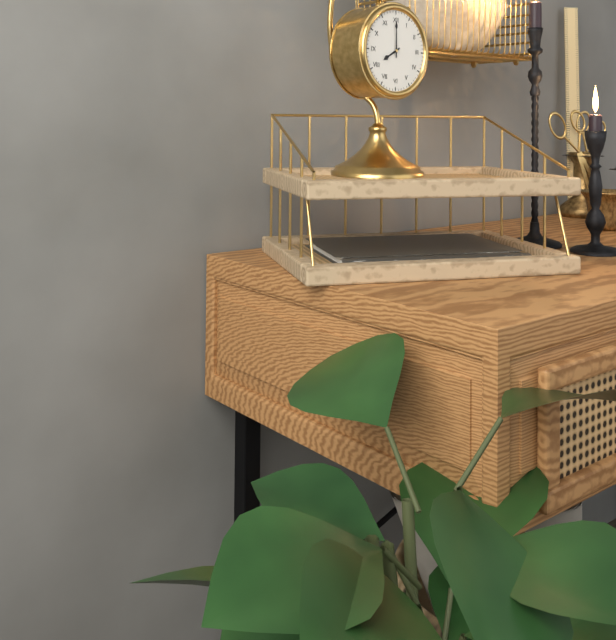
8:00
